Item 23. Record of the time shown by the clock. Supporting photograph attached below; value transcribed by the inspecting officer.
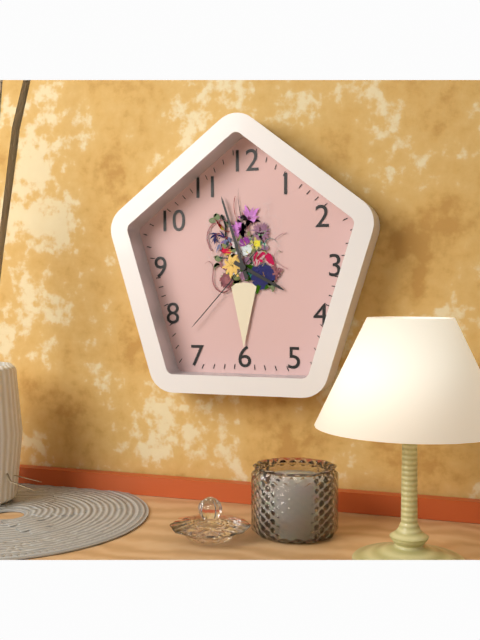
3:57:37
